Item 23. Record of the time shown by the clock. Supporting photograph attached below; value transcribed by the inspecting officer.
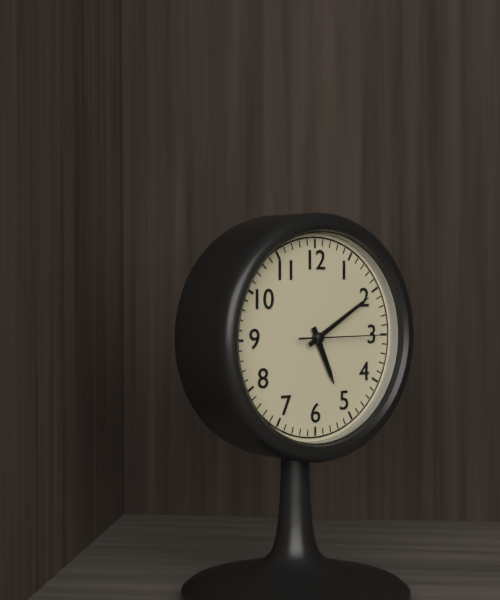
5:10:15
